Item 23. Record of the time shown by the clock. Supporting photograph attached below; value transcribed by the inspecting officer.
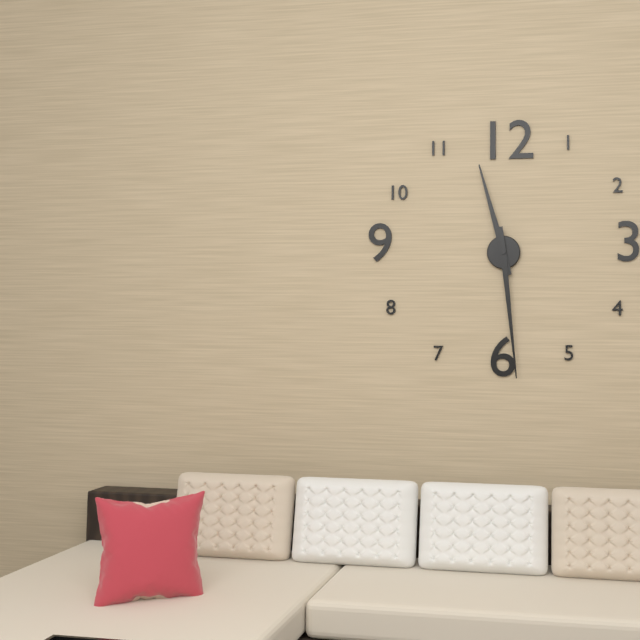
11:29
